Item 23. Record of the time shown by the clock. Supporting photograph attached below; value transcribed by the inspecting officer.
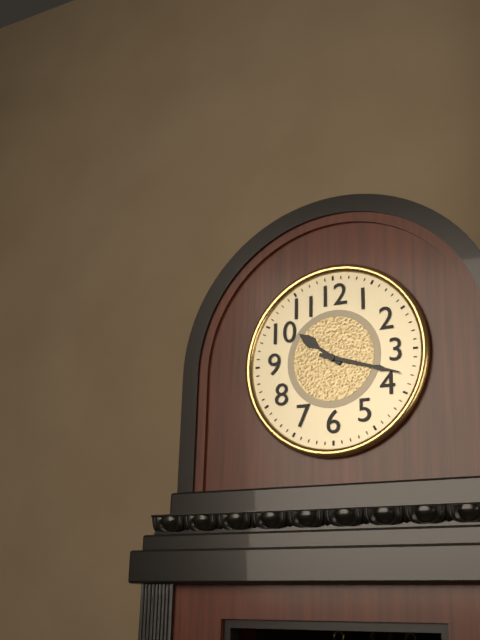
10:18
